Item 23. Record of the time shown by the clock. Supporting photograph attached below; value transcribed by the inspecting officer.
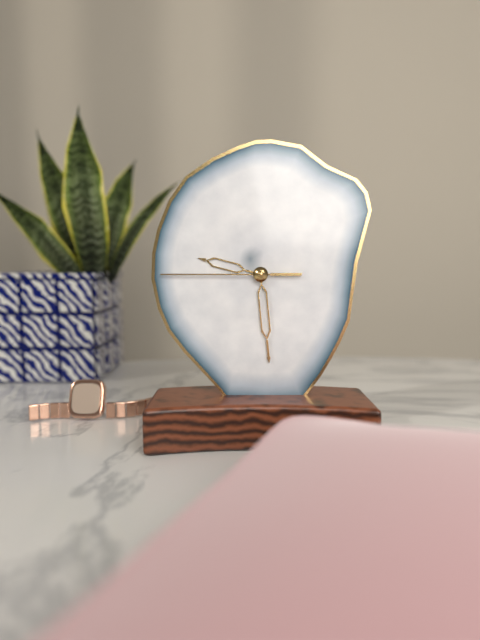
9:29:45
